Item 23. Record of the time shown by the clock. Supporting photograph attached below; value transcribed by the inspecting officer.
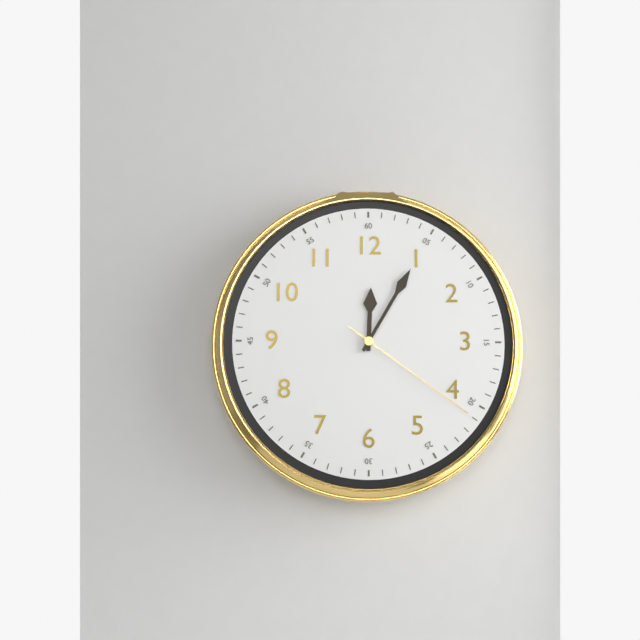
12:05:21
